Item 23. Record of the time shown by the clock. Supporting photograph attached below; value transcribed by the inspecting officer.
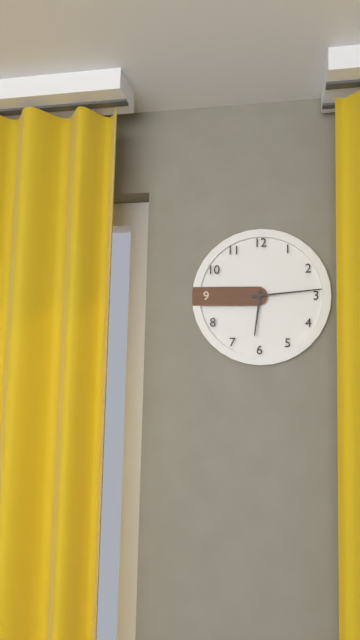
6:14
